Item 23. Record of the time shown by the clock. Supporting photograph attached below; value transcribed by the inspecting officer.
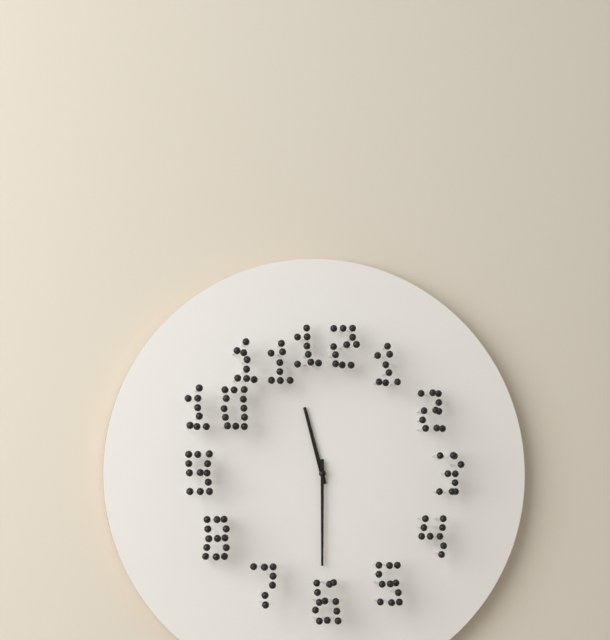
11:30
